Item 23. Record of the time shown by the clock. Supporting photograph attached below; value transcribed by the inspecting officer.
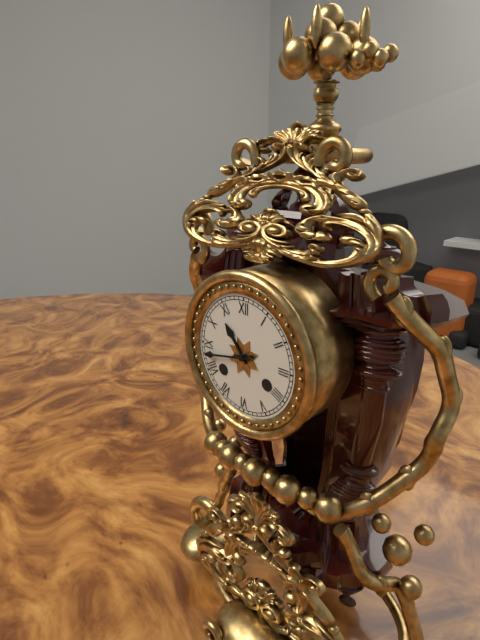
10:43
